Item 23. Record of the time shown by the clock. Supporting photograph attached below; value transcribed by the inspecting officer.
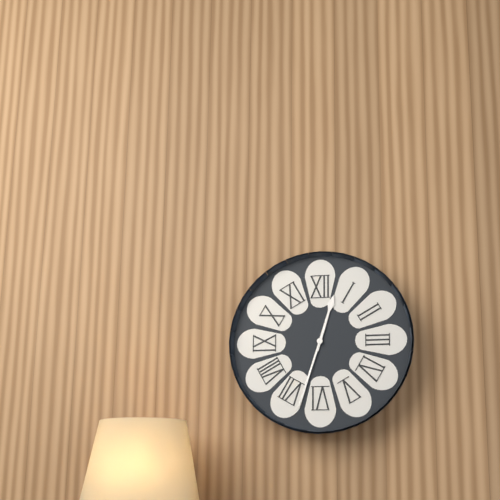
12:33
